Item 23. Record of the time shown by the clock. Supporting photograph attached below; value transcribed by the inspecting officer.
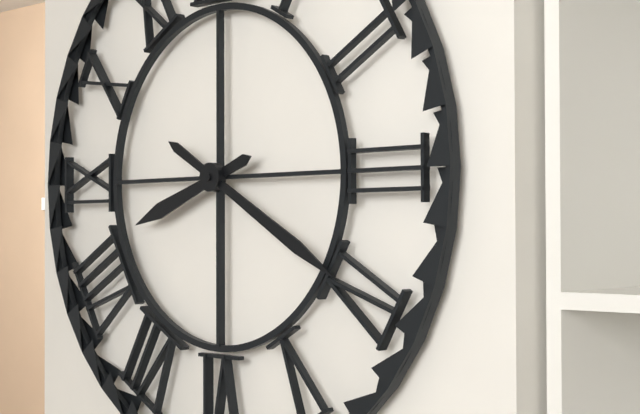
8:20
